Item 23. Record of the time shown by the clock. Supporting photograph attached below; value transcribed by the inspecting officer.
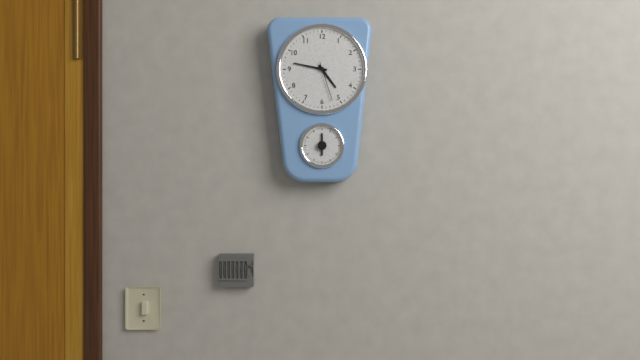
4:47
